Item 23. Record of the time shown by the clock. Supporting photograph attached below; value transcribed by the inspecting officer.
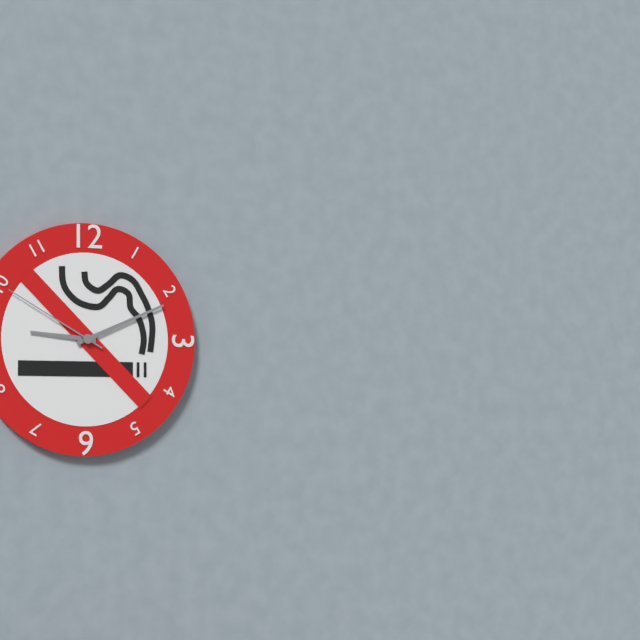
9:11:50
